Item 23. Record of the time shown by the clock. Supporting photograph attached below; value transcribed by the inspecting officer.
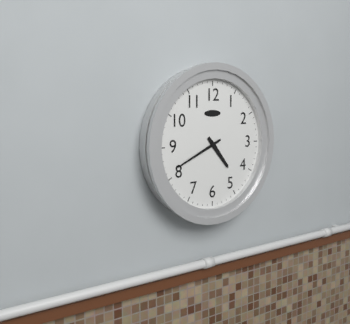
4:41
